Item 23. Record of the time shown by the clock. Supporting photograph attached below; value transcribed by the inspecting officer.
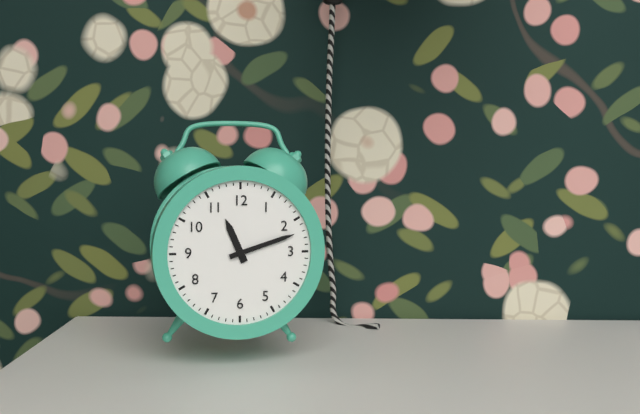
11:12
